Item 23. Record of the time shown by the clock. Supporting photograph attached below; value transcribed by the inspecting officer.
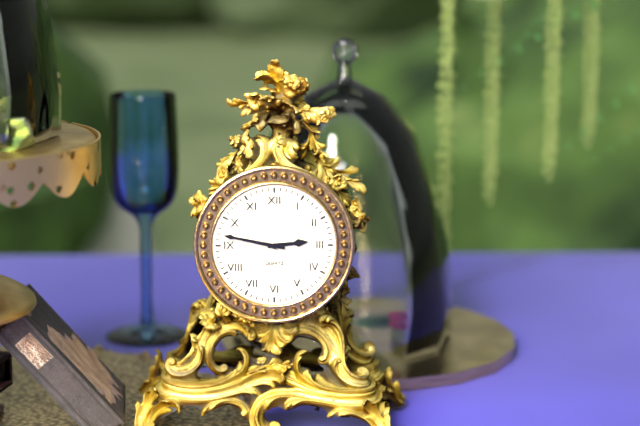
2:47
